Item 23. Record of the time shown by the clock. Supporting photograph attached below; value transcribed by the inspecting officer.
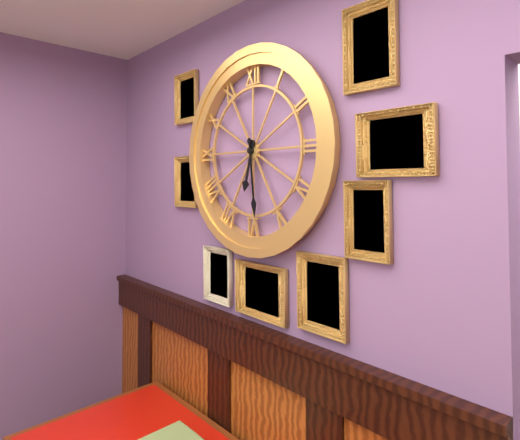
6:29
